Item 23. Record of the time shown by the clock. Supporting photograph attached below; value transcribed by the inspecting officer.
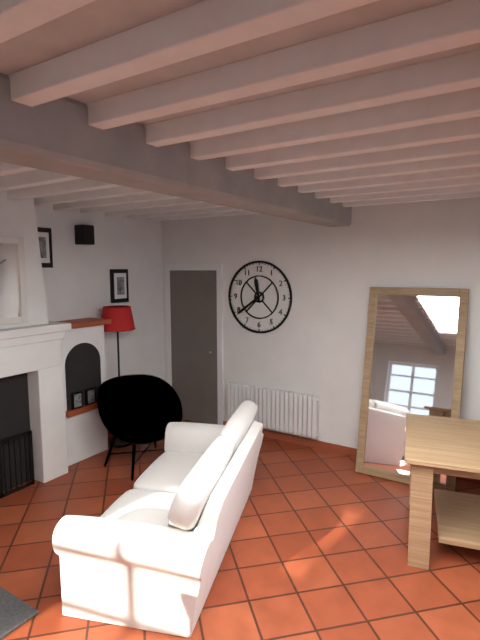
11:39
